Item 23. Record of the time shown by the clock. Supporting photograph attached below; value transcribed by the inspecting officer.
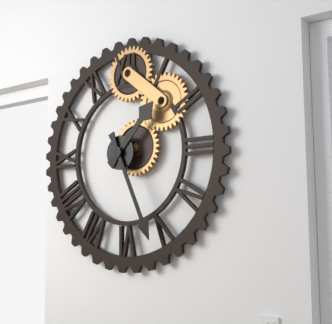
1:26
